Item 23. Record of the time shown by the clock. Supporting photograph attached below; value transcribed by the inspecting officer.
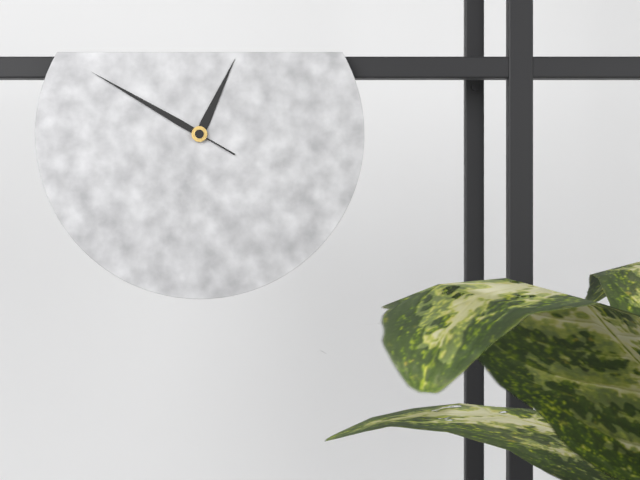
12:50:50
